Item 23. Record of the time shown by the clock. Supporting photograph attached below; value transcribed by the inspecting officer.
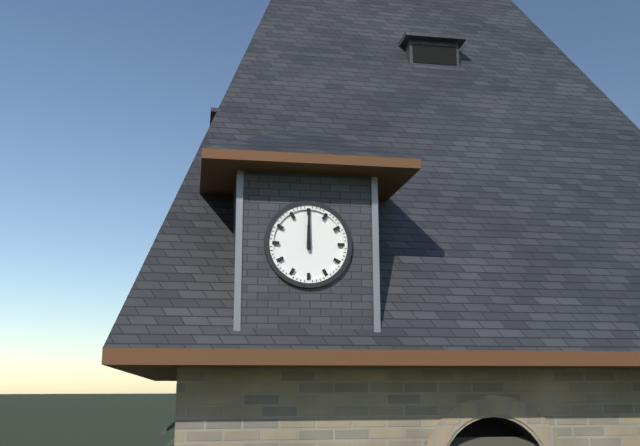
12:00
